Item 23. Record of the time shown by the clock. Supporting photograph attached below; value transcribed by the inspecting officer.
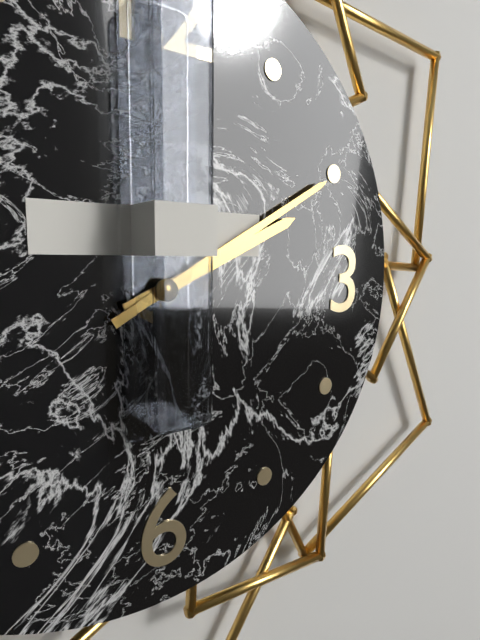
2:10
